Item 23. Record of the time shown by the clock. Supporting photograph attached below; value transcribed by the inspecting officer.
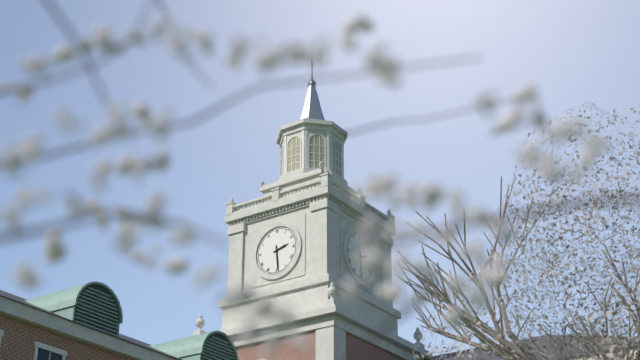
2:29
